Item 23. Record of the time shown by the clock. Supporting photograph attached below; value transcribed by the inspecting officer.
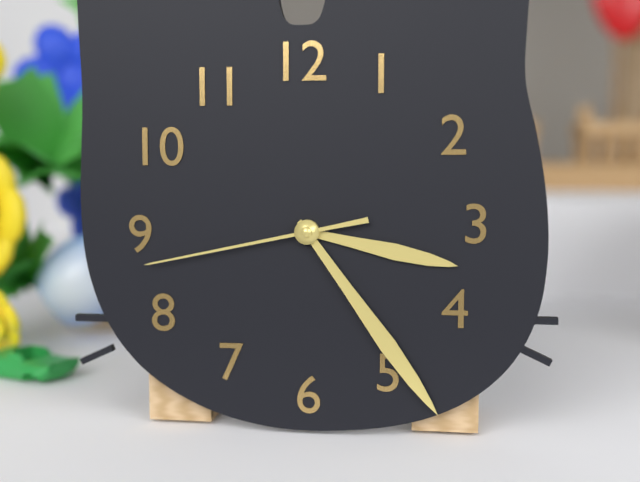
3:24:43
